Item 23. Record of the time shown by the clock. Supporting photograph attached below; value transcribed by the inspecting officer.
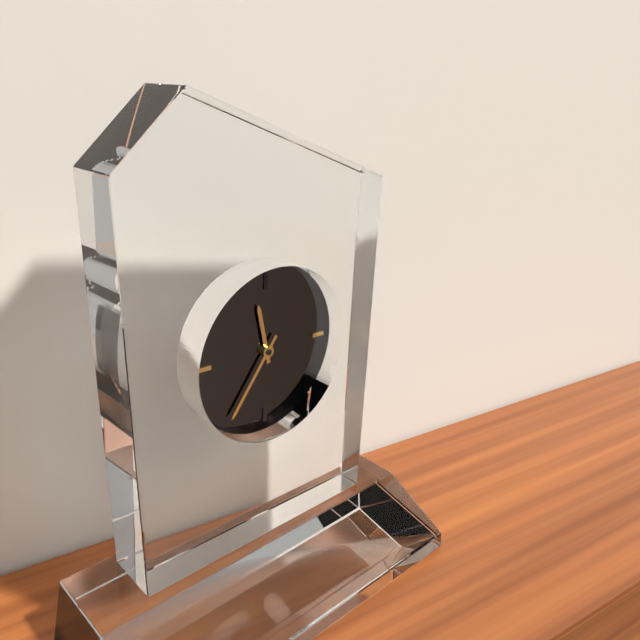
11:36
